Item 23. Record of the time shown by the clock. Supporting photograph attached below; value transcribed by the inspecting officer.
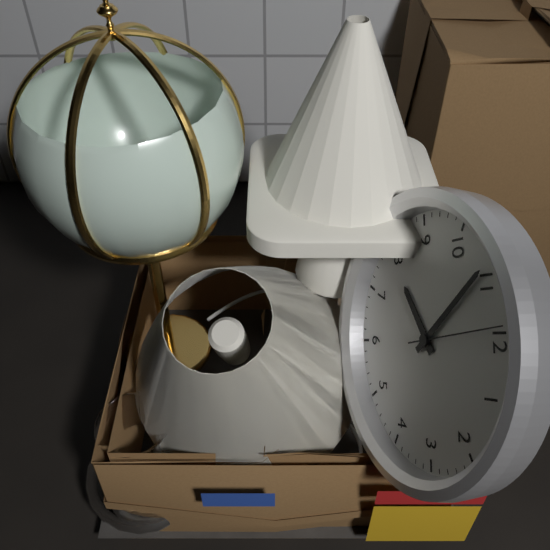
7:54:59
